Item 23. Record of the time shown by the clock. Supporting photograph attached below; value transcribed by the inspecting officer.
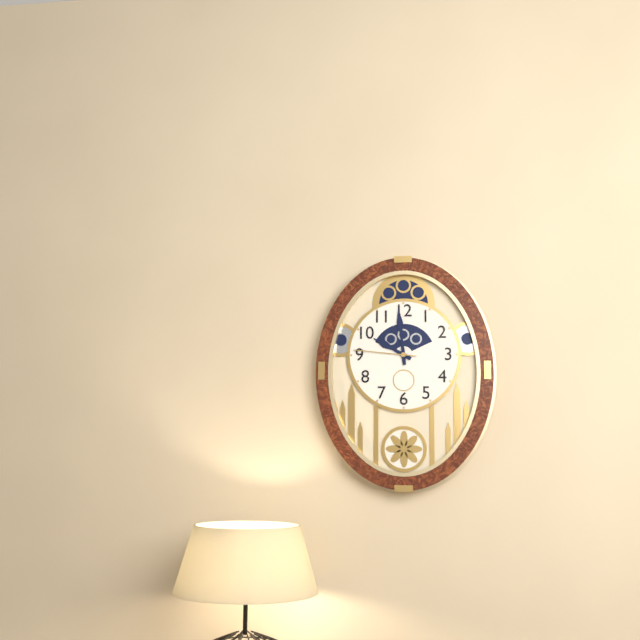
9:59:46
